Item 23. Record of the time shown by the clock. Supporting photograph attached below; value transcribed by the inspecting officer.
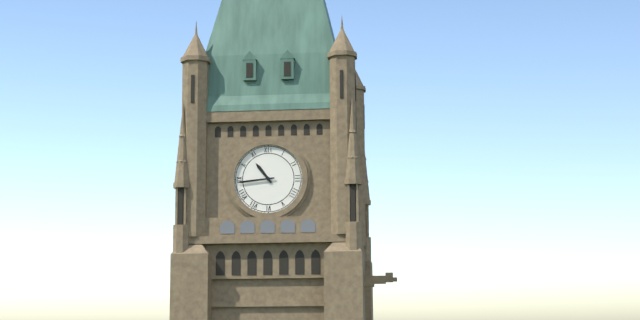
10:44
